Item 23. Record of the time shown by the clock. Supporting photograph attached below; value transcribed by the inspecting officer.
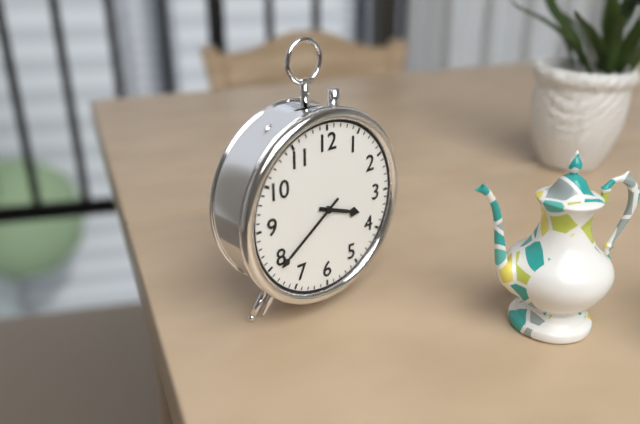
3:39
